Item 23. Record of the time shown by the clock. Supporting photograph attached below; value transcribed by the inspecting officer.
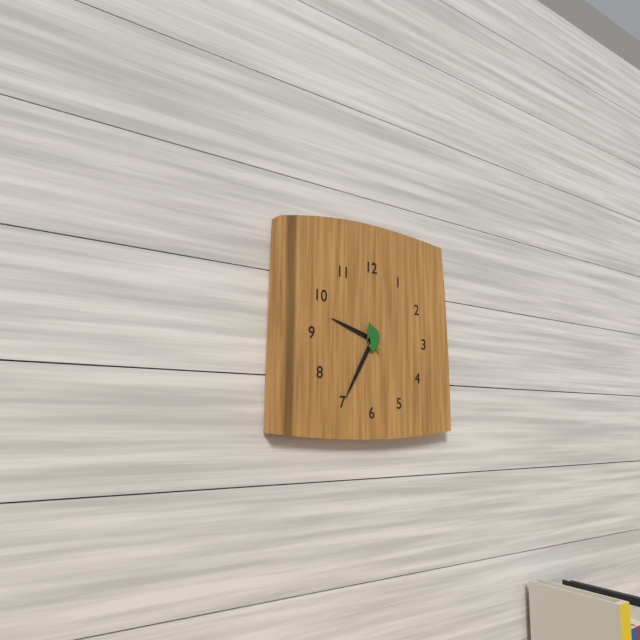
9:35
